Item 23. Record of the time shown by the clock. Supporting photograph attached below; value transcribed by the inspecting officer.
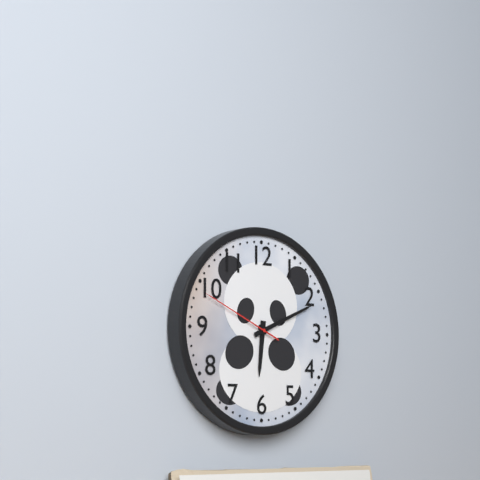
6:11:49
